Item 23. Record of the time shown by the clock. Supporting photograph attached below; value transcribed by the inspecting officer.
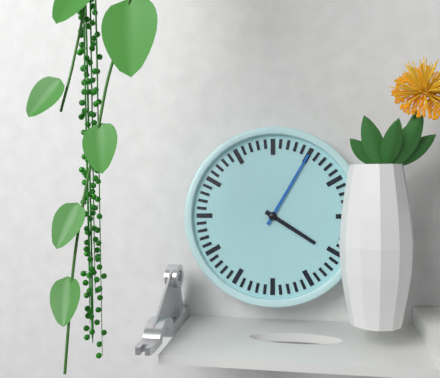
4:05
